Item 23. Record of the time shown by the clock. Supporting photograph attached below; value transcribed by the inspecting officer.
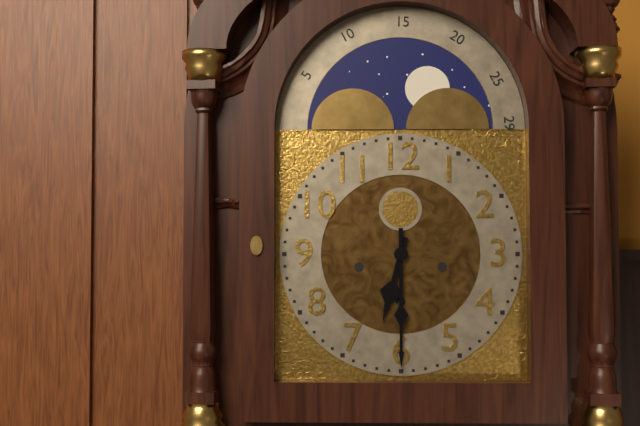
6:30
